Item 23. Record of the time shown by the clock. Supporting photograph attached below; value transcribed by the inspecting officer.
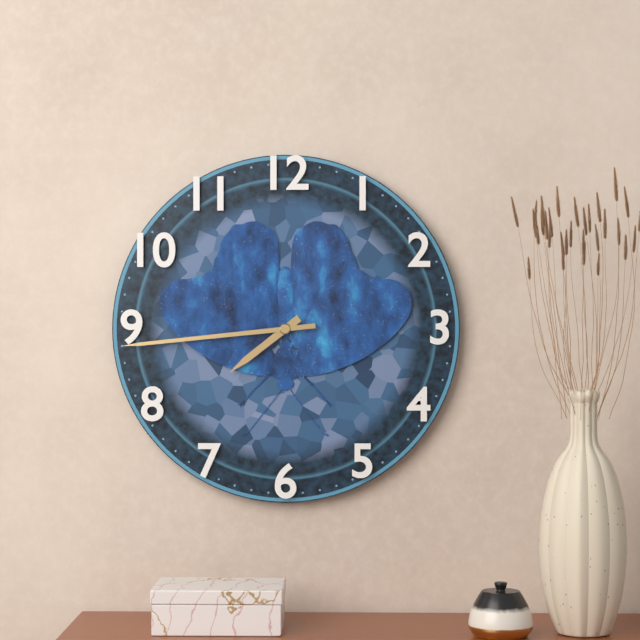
7:44
